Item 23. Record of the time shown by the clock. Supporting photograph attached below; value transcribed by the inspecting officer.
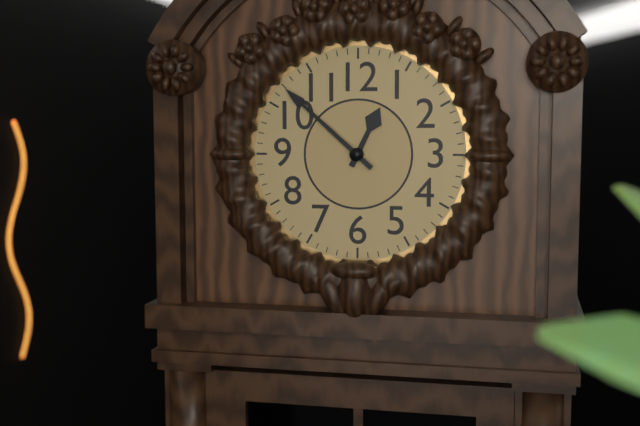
12:52
